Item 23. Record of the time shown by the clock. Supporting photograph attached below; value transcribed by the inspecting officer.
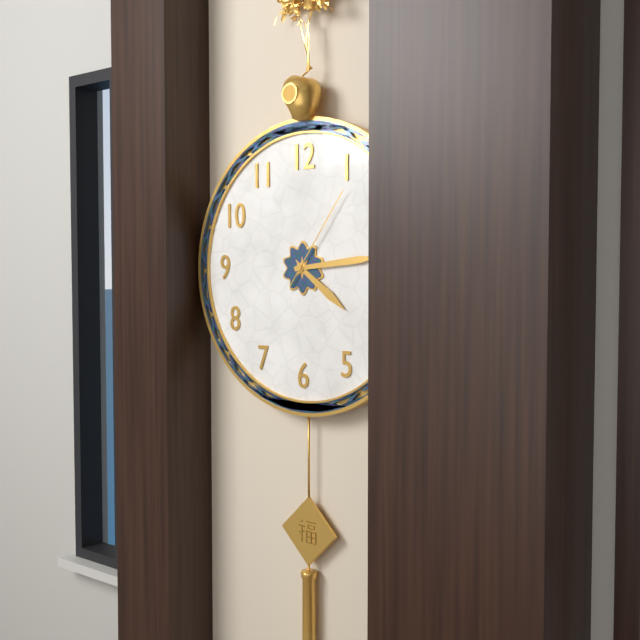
4:14:06
